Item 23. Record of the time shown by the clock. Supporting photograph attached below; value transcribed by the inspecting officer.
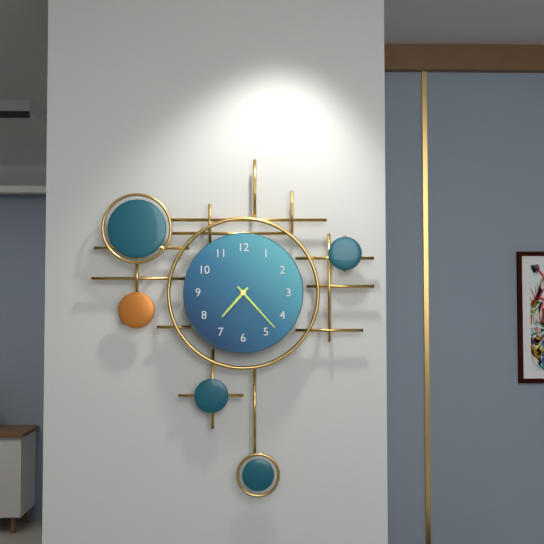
7:23
